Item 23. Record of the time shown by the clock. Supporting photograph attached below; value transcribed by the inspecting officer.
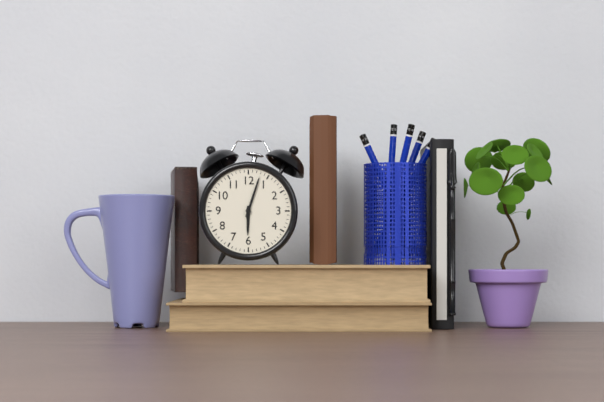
6:03
